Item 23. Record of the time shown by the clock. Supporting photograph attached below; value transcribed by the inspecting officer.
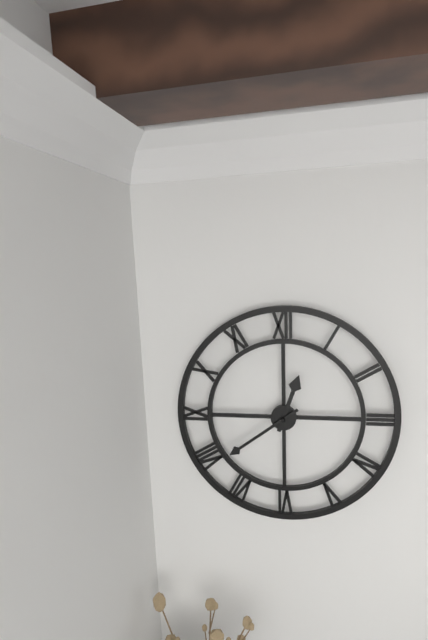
12:39
